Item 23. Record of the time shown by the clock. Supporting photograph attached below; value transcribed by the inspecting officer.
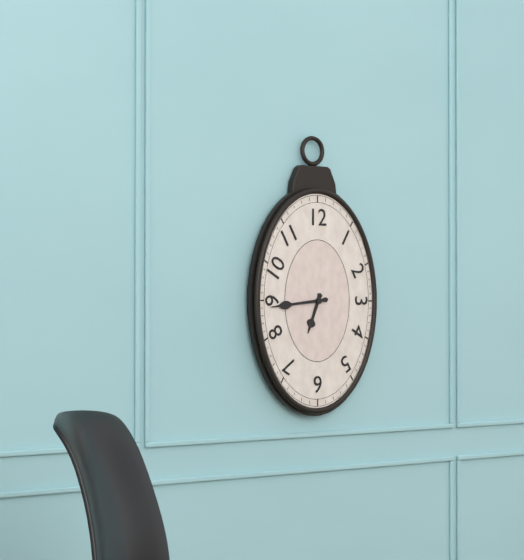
6:44
